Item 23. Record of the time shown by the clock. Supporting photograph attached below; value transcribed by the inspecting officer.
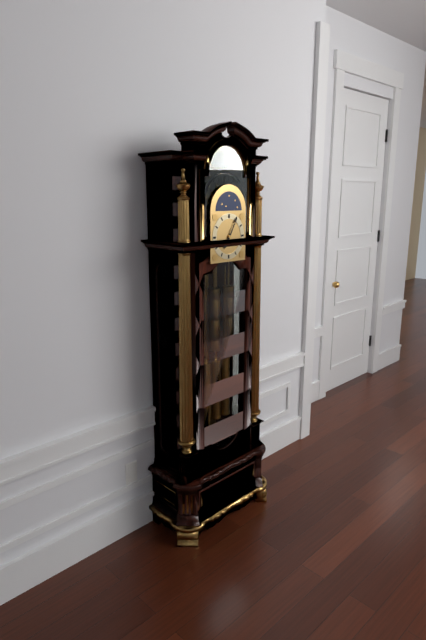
7:05
